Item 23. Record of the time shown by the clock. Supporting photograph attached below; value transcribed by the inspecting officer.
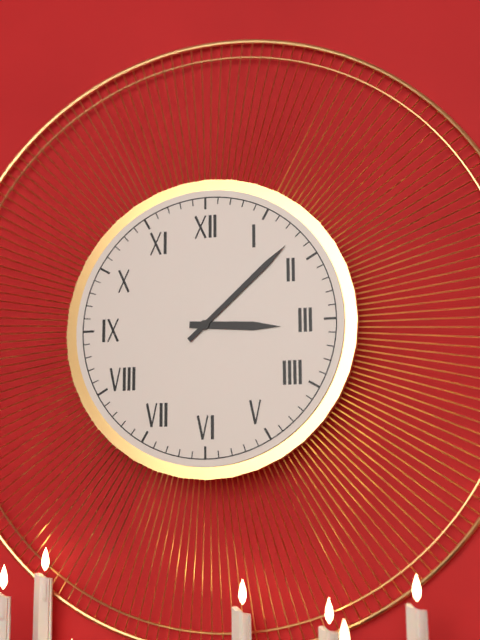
3:08
